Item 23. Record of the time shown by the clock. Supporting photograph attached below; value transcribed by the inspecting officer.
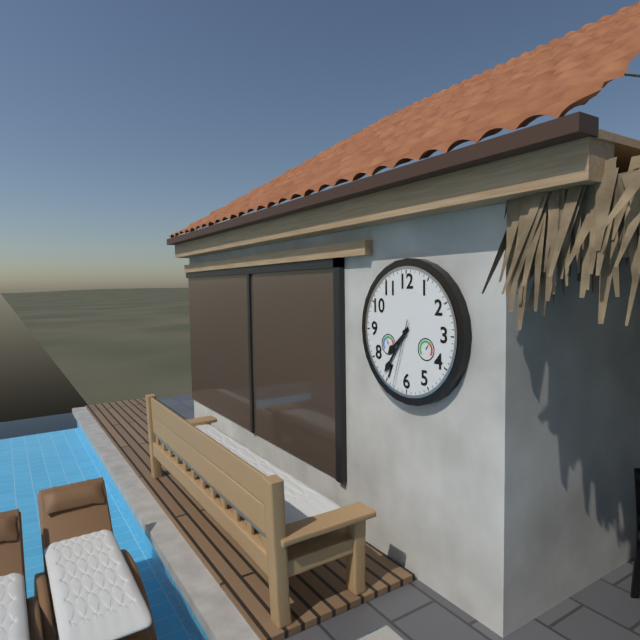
7:36:33
